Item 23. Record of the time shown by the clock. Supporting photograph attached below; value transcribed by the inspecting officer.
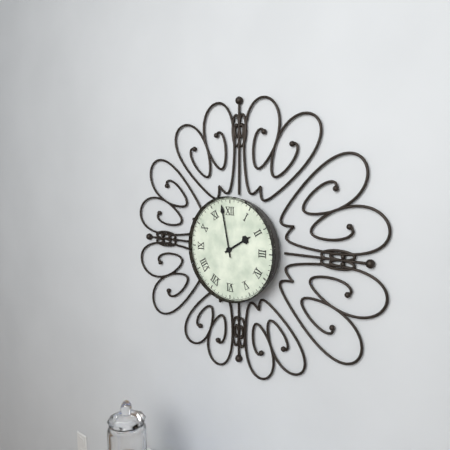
1:58
